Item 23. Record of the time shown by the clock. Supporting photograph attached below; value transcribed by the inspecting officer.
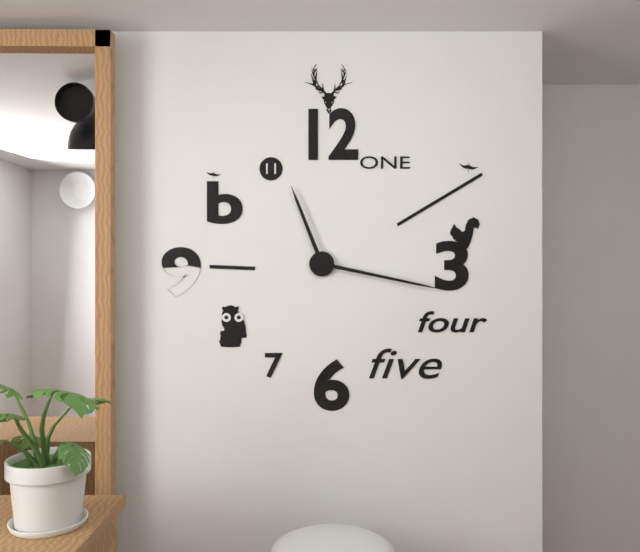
11:17
